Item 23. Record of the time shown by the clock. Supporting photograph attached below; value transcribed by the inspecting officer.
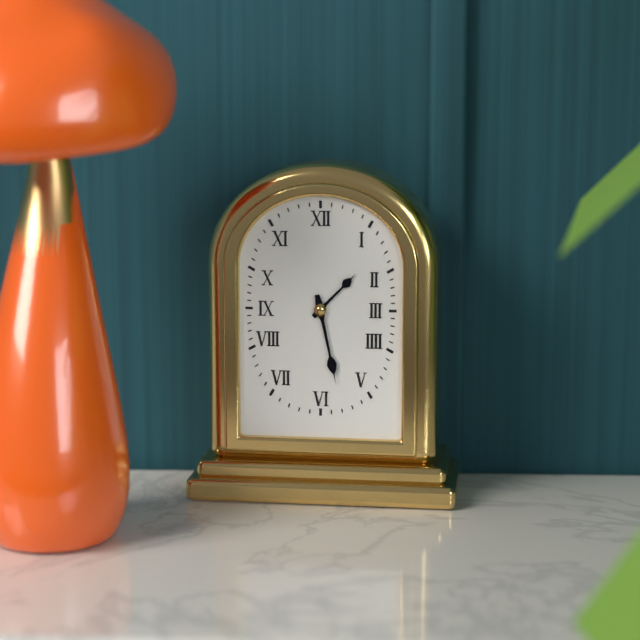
1:28
